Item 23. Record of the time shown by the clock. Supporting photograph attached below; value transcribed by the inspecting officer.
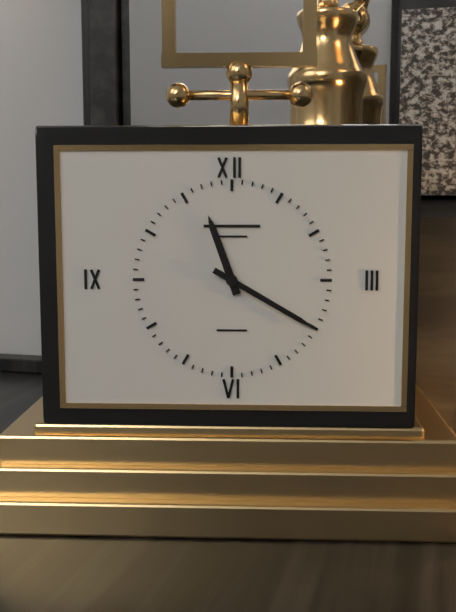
11:20
